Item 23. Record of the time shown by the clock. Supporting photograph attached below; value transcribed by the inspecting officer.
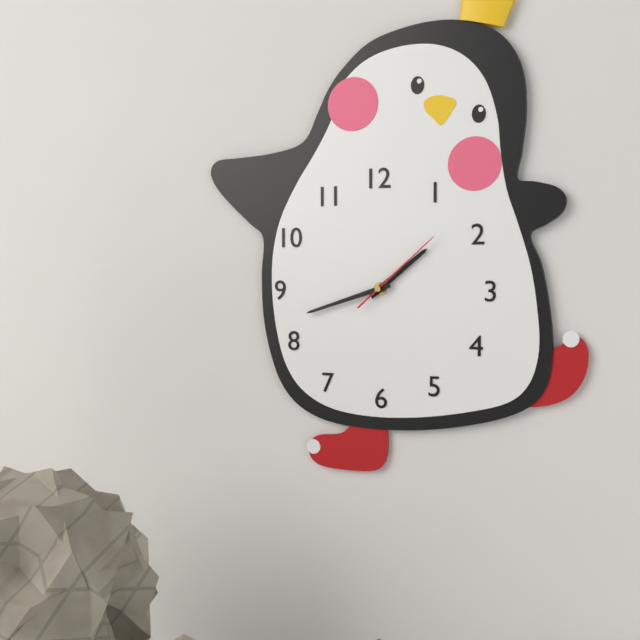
1:42:08
